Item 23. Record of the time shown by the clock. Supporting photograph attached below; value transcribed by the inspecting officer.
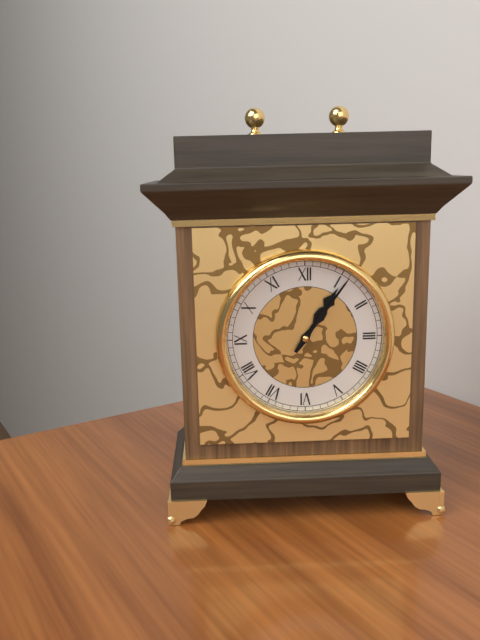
1:06
